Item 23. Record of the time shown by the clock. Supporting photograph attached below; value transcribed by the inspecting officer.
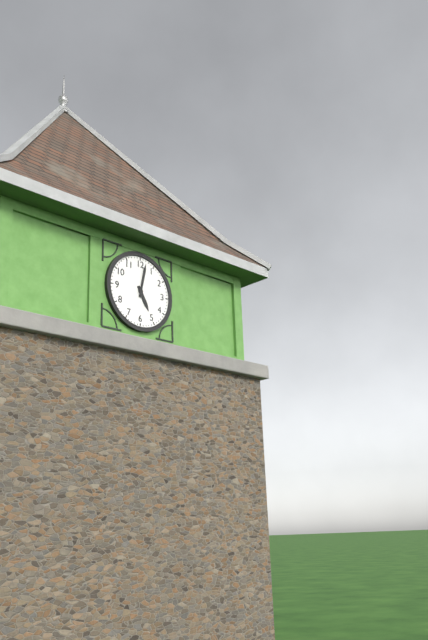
5:02
